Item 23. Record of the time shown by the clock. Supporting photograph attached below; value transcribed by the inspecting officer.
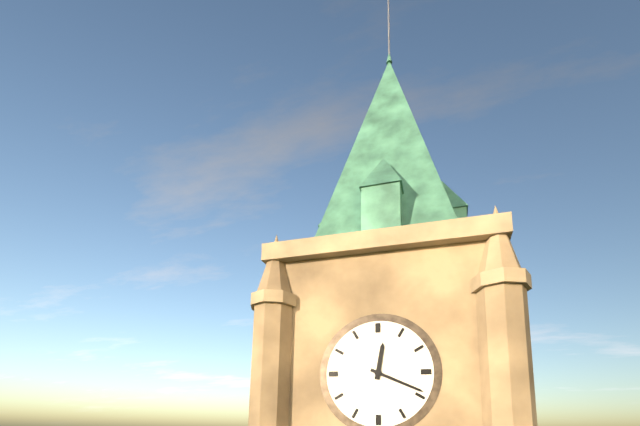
12:19
